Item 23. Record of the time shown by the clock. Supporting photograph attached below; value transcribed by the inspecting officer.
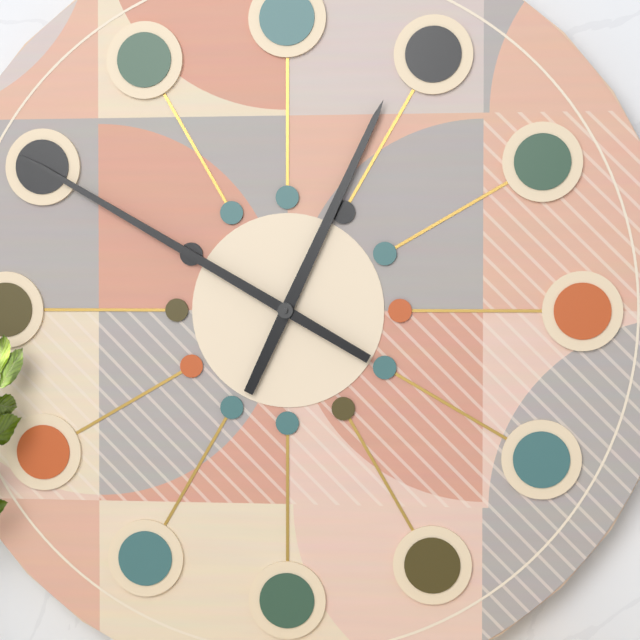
12:50
